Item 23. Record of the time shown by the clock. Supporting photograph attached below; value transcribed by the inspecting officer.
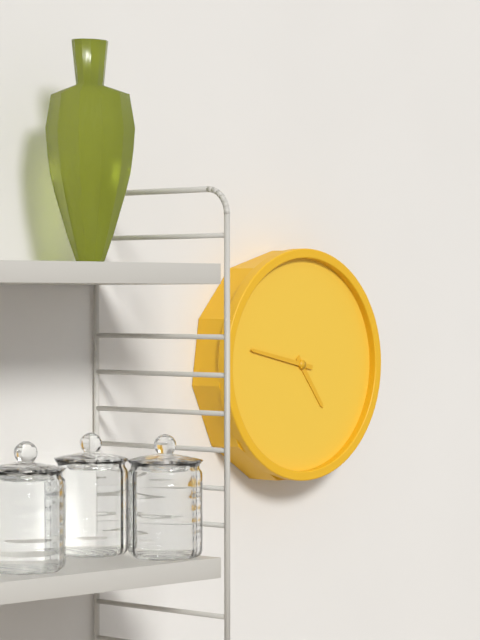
4:47
